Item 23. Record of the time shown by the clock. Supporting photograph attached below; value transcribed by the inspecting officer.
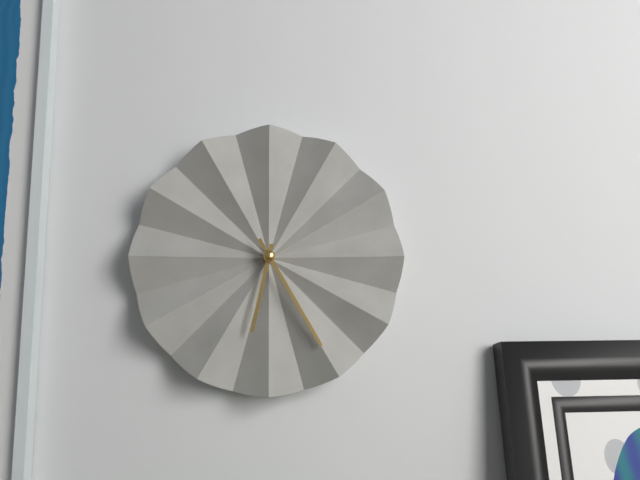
6:25
